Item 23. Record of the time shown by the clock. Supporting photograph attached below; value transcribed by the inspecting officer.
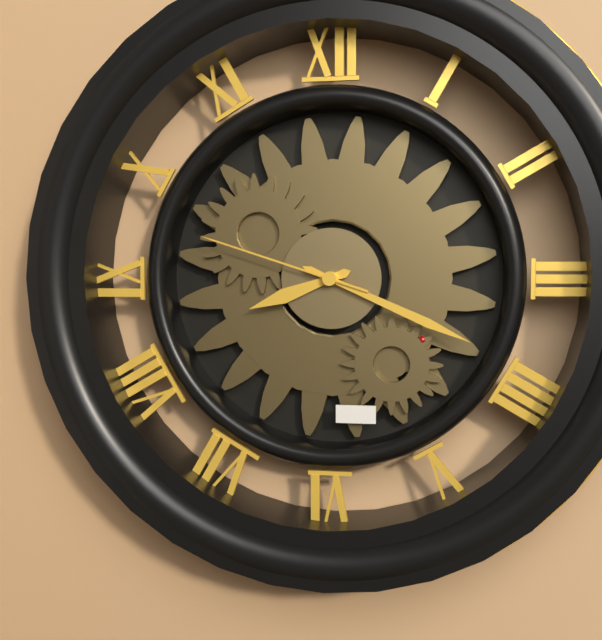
8:19:48
